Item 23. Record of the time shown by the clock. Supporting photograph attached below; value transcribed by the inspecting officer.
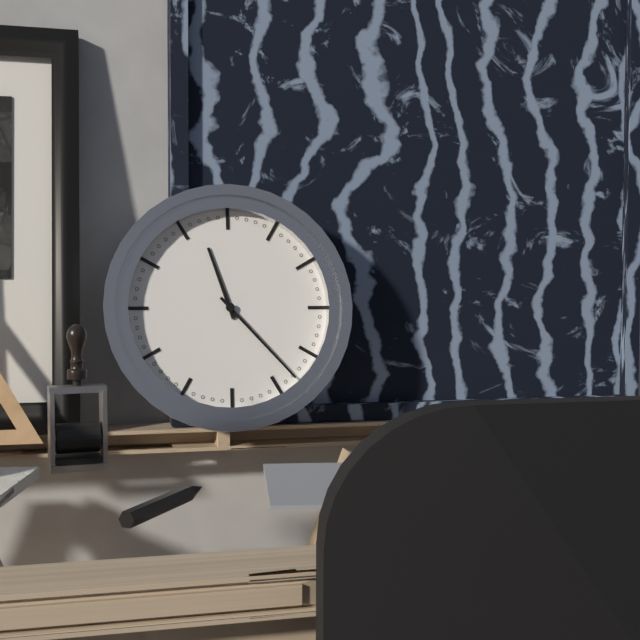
11:23
